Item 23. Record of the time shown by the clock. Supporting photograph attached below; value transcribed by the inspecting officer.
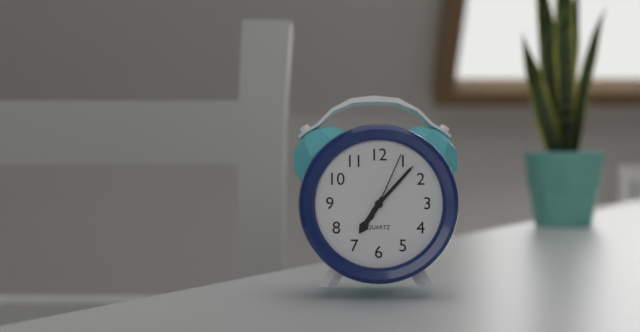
7:07:04
